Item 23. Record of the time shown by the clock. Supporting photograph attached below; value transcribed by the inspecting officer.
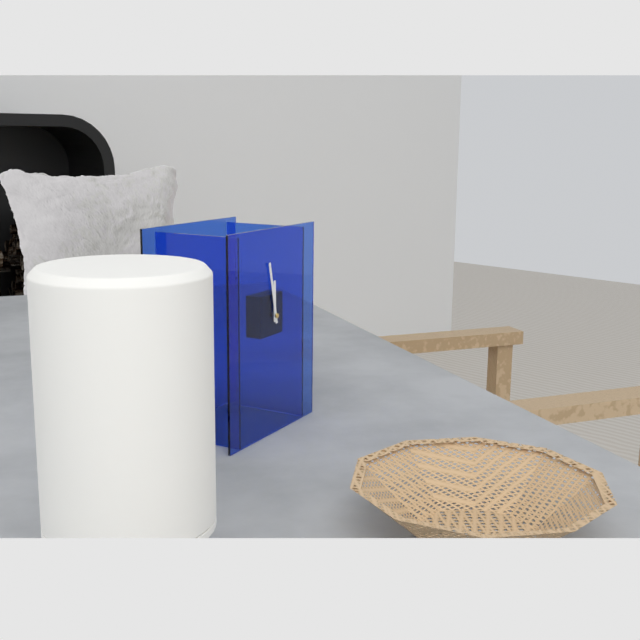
11:58
